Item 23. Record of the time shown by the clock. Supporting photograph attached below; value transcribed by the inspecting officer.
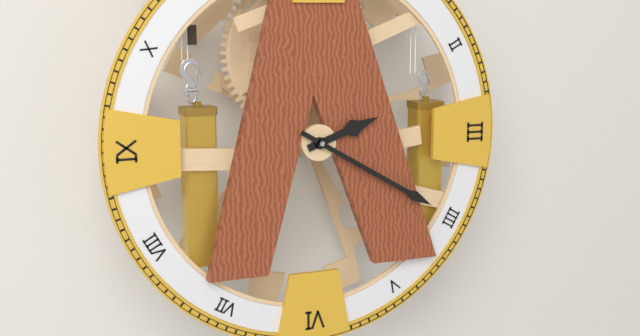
2:20
